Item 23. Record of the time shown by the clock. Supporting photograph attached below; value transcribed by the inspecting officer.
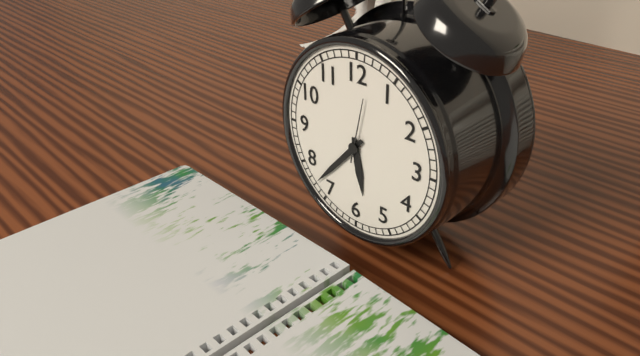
5:37:02
